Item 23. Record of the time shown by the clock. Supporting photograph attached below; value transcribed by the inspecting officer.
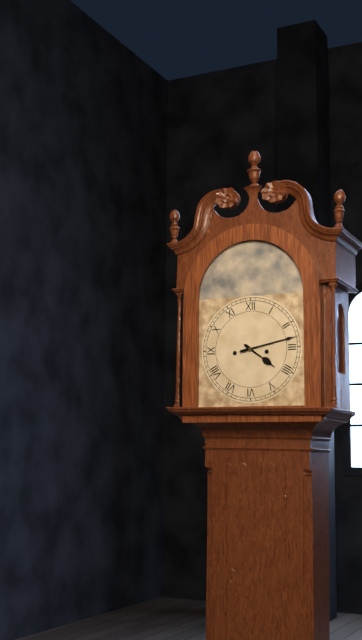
4:13
